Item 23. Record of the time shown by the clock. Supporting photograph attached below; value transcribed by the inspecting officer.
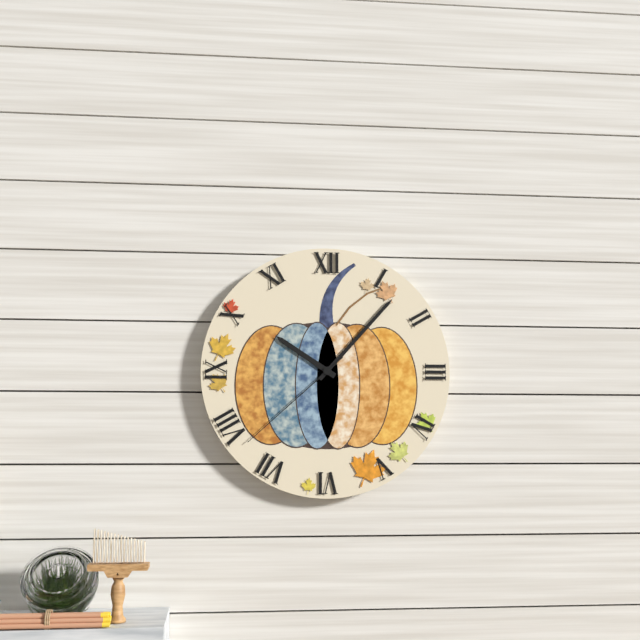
10:07:38
